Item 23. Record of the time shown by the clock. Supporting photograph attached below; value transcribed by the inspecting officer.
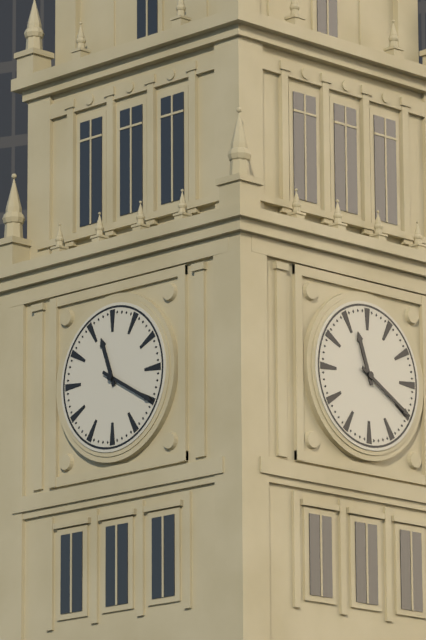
11:20
